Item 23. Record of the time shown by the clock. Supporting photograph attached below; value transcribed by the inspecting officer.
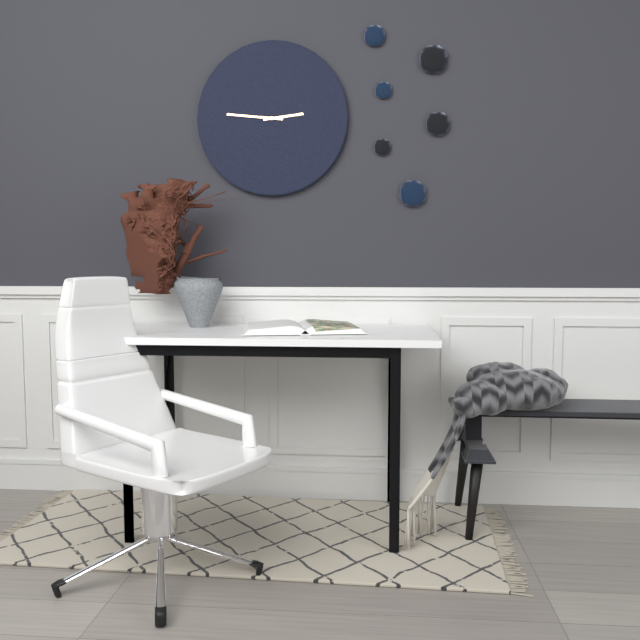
2:46
